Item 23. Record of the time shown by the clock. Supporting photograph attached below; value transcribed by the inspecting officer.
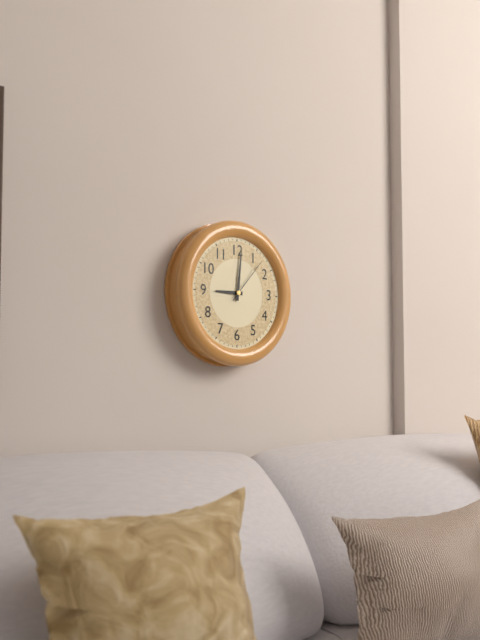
9:01
